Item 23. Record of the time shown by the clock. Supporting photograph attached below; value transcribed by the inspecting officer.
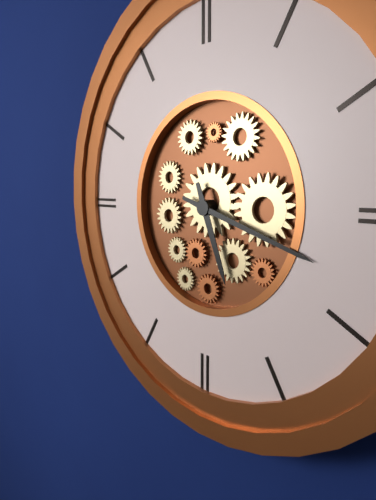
5:18
